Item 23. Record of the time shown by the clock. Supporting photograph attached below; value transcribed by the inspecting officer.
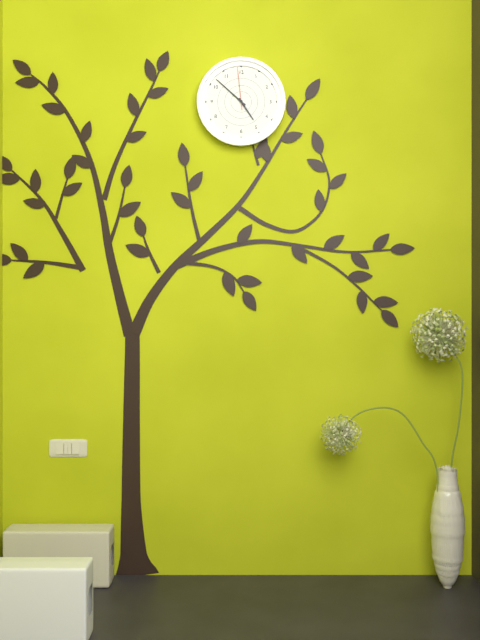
4:52
